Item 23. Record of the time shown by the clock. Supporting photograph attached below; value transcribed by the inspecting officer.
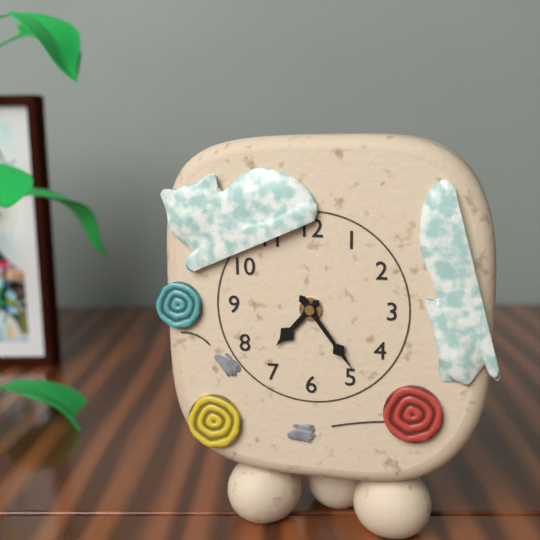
7:24
